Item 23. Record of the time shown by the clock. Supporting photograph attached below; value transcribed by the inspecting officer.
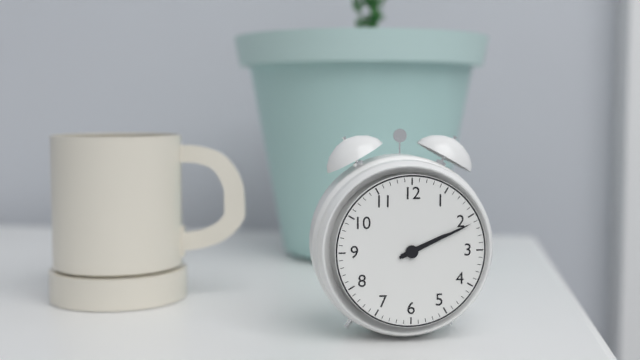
2:11
